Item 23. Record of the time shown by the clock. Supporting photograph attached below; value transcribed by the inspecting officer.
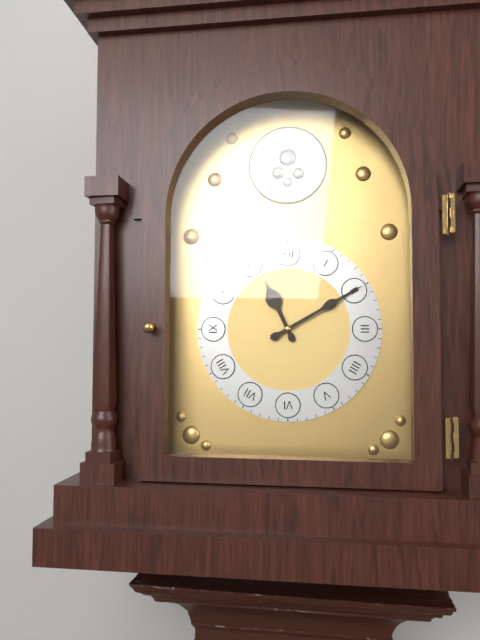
11:10
